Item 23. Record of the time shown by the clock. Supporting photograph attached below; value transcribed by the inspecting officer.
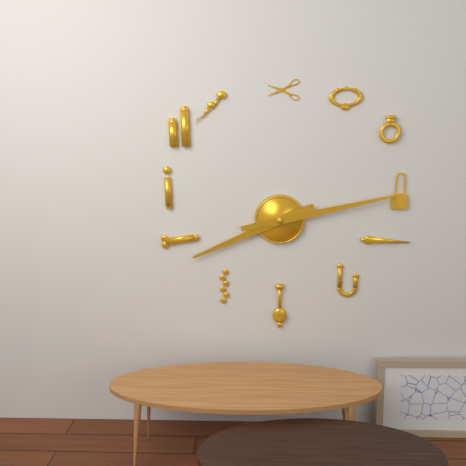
8:13
